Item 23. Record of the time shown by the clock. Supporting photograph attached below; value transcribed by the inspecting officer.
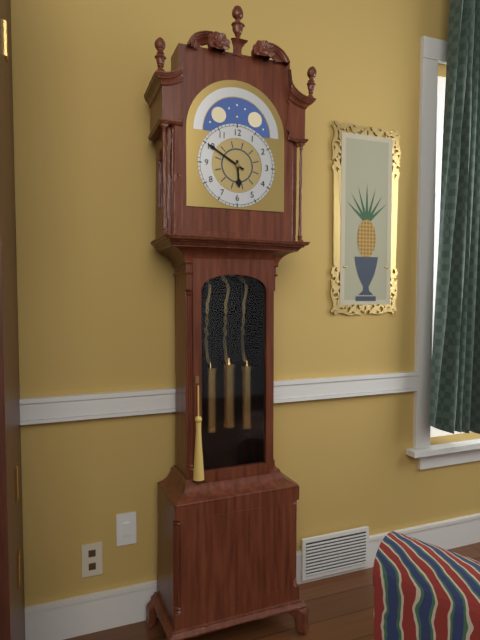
5:50
